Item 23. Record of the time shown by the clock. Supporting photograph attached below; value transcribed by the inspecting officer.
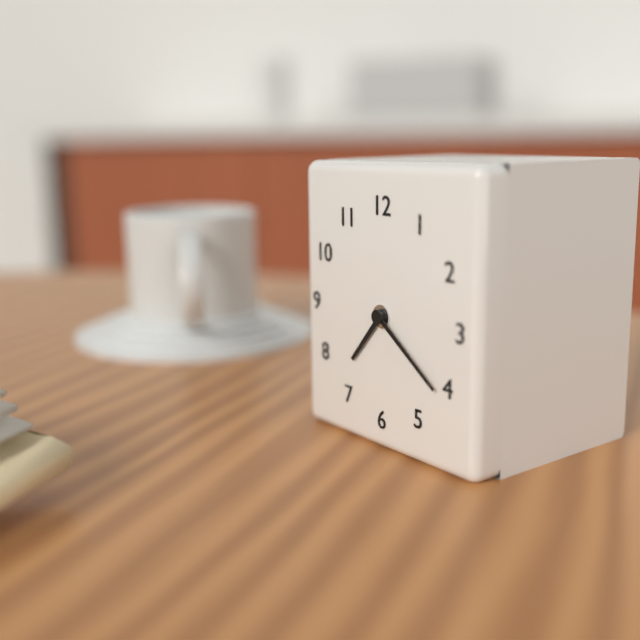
7:21
